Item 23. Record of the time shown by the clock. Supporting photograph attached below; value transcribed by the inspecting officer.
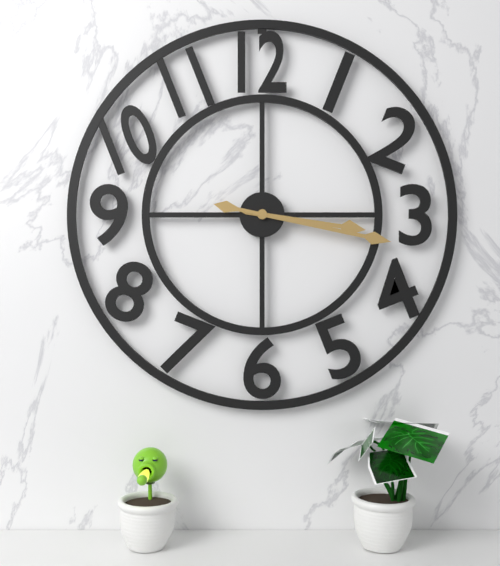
3:17
